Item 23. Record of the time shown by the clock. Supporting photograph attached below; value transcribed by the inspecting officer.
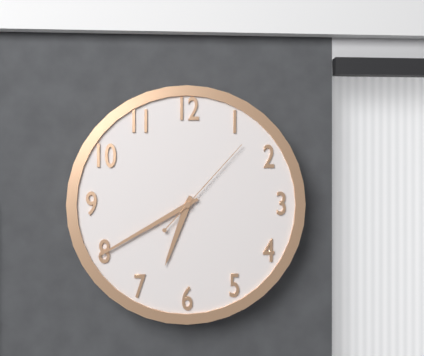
6:40:07
